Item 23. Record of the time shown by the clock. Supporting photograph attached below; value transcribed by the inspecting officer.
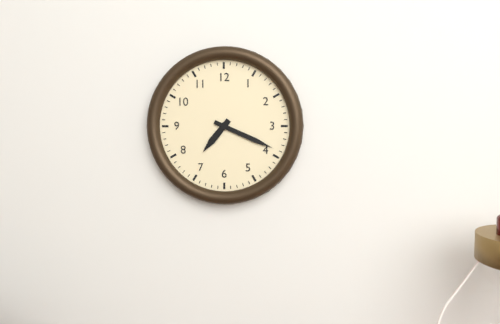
7:19
